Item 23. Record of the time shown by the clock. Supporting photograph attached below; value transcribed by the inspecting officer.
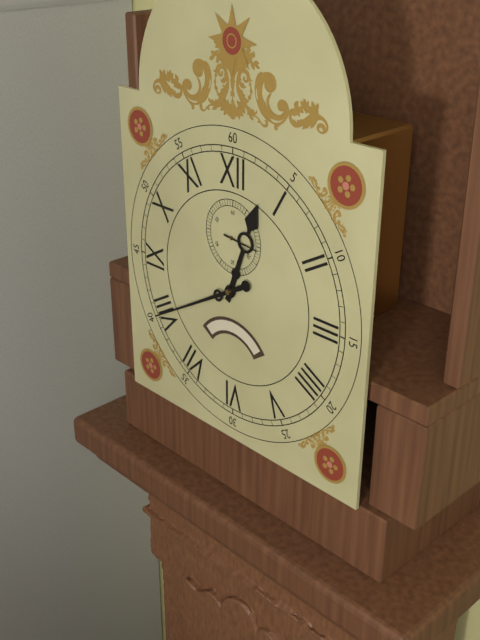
12:40
